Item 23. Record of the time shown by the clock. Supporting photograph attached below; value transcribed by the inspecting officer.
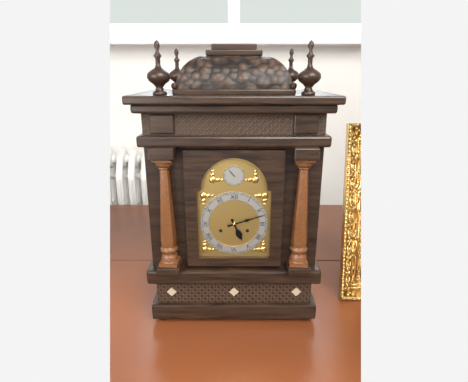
5:12
